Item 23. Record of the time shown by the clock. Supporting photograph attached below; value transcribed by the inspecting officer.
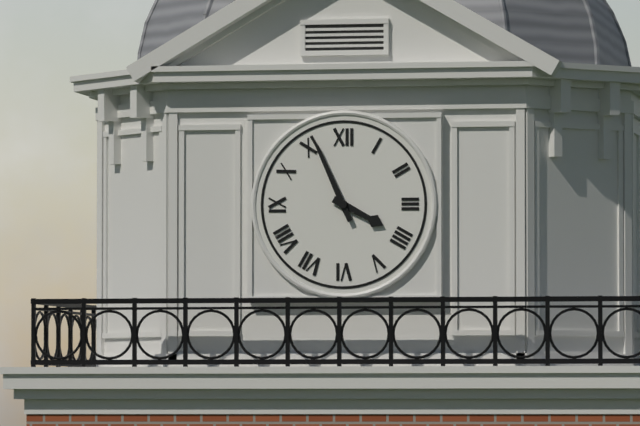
3:56
